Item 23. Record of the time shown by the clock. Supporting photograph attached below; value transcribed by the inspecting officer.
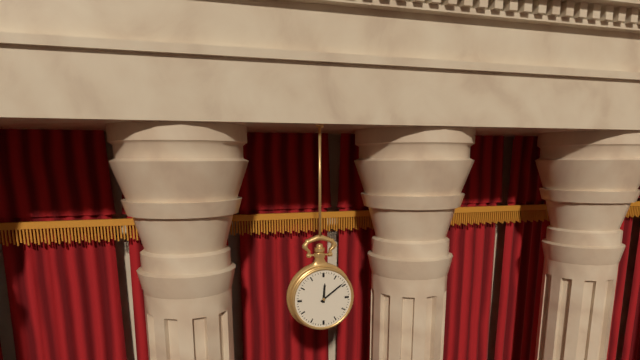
12:09
